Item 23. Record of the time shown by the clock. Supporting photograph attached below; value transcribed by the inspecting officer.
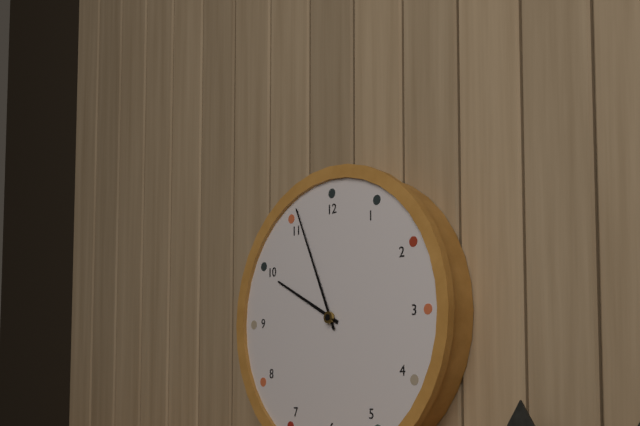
9:56
